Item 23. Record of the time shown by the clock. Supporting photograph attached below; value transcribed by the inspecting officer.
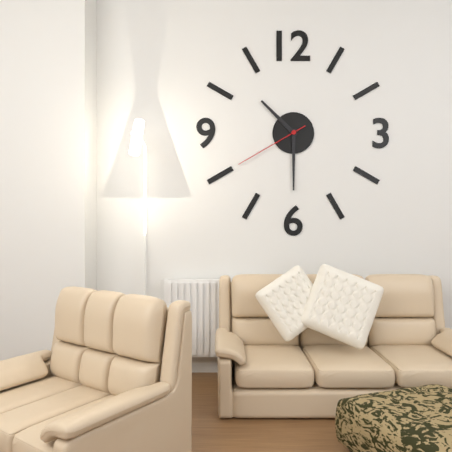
10:30:40
